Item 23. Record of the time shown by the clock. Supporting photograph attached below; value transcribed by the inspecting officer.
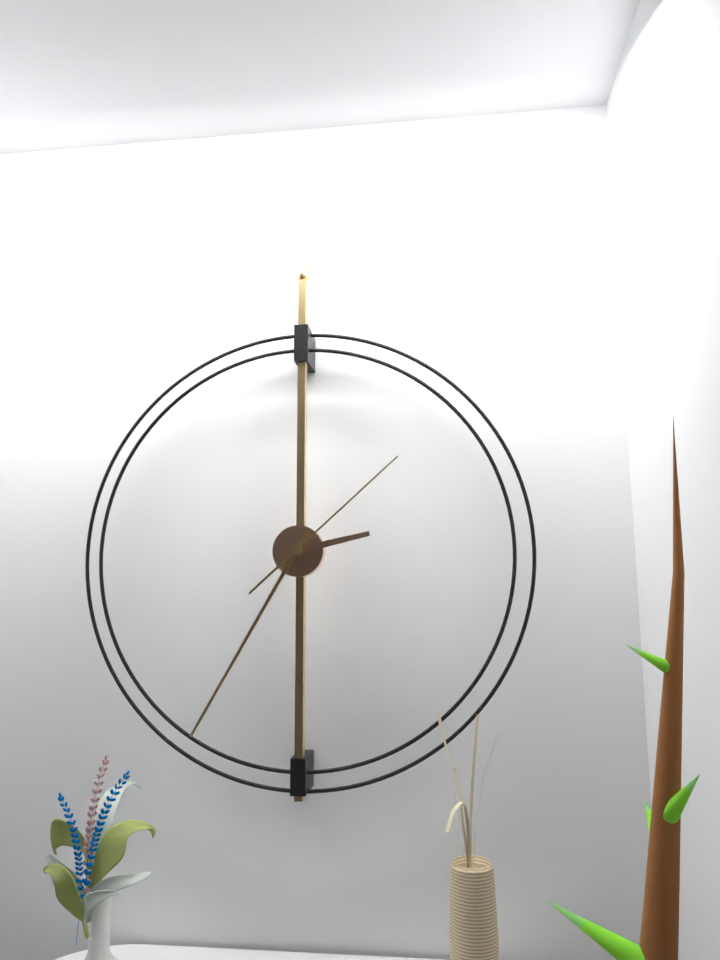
2:35:08
